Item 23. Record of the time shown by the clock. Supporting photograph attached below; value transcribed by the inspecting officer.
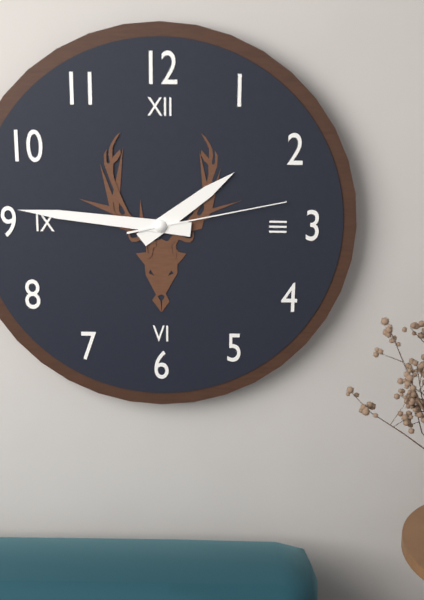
1:46:13
